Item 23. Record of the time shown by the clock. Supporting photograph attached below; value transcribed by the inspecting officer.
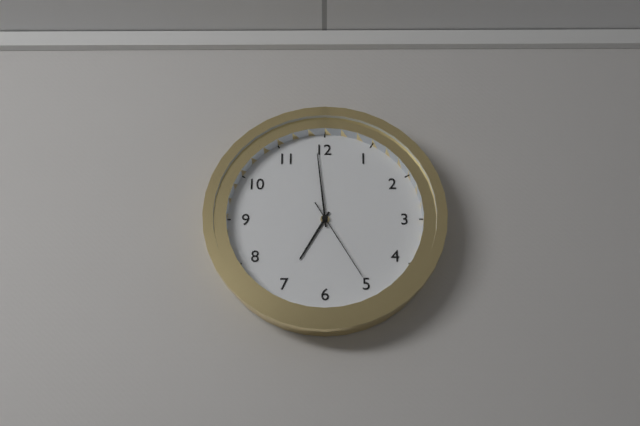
6:59:25
